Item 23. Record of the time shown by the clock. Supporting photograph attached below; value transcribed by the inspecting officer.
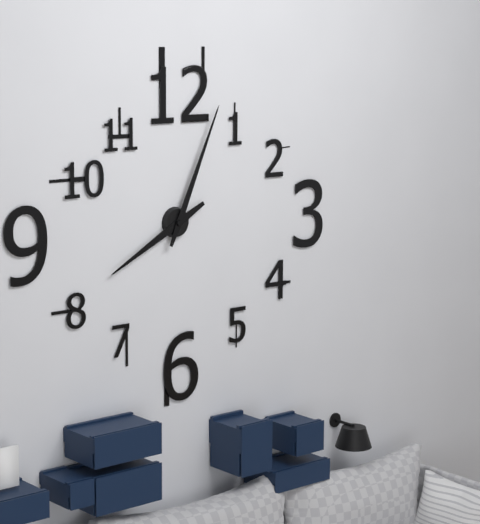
8:04
